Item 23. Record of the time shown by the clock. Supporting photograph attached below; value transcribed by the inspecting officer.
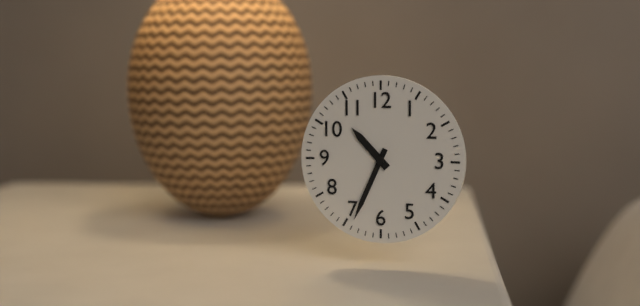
10:34
